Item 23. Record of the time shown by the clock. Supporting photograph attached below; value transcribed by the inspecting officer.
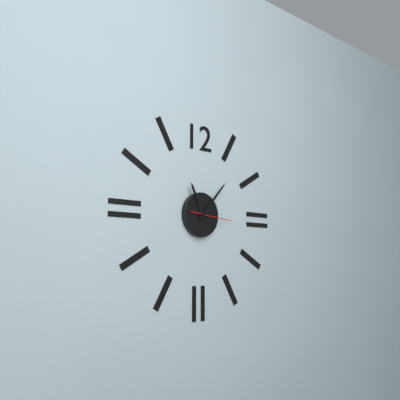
11:07
